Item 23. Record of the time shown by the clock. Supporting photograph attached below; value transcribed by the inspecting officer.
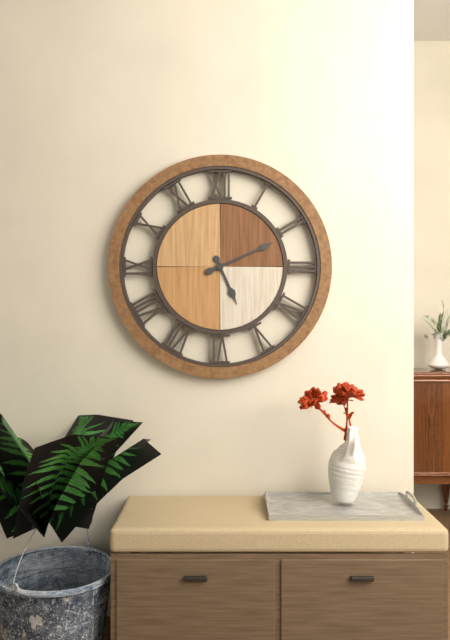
5:11
